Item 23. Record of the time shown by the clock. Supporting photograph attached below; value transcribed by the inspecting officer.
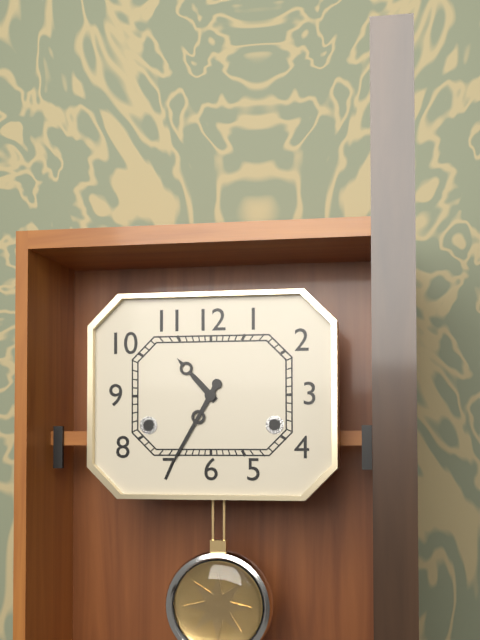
10:35
